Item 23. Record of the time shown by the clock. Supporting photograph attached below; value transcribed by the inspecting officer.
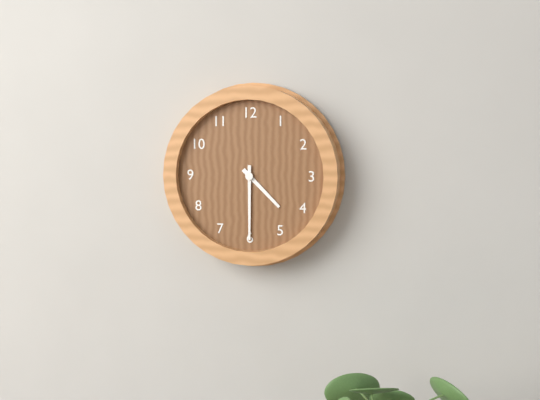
4:30
